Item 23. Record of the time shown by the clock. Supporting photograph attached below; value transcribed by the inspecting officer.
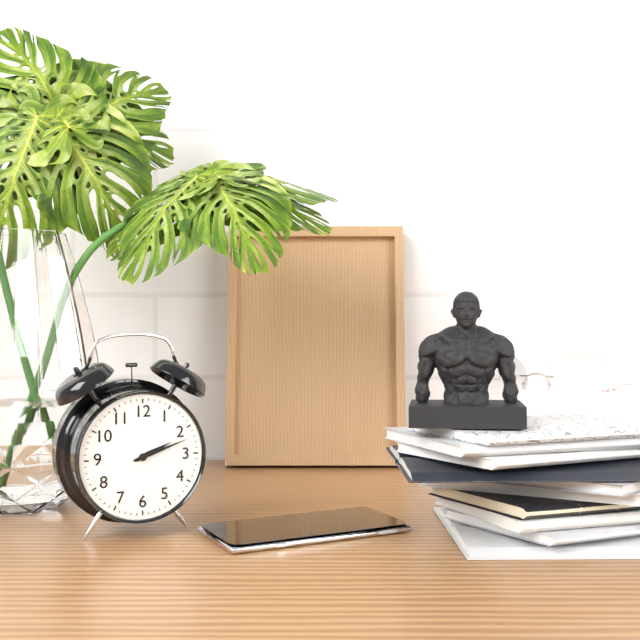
2:12
